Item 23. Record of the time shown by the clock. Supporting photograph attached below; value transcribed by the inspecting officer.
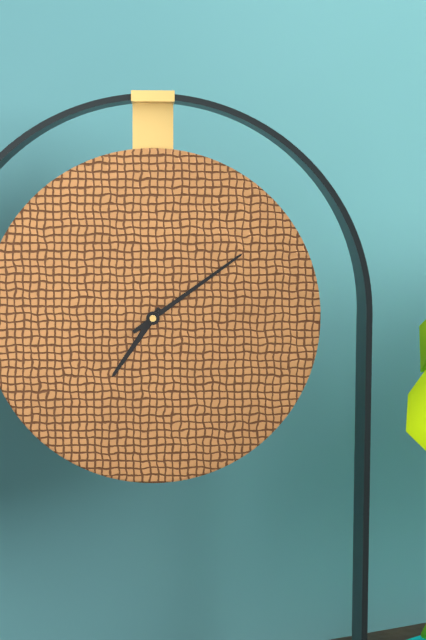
7:09
